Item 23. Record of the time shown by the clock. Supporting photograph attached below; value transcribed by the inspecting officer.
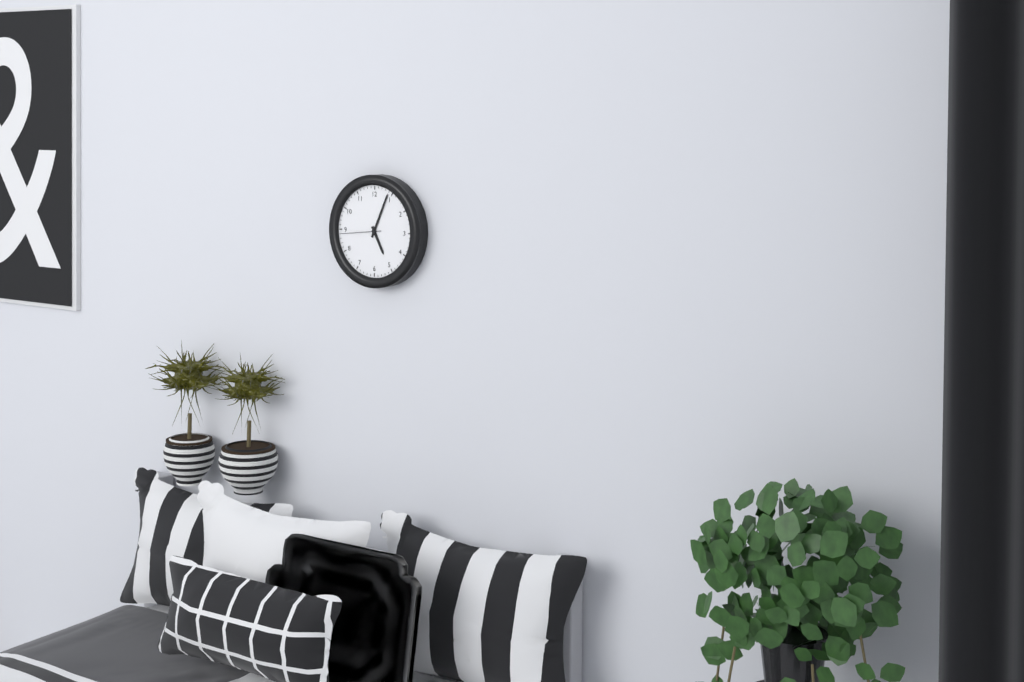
5:04
